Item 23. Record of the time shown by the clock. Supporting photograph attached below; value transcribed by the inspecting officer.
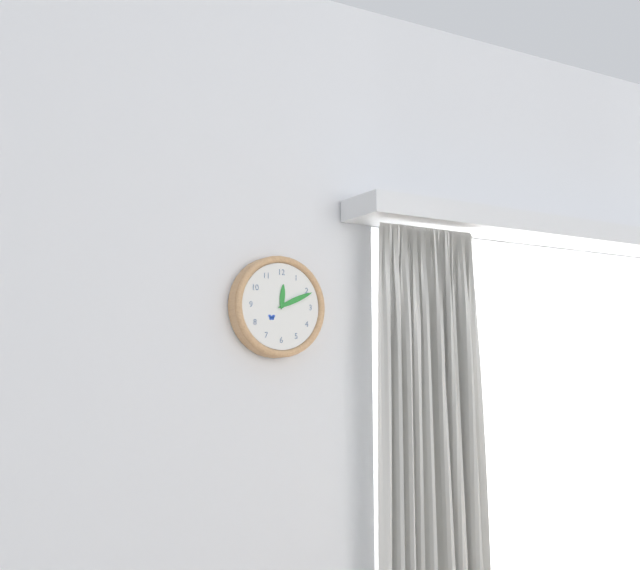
12:11
